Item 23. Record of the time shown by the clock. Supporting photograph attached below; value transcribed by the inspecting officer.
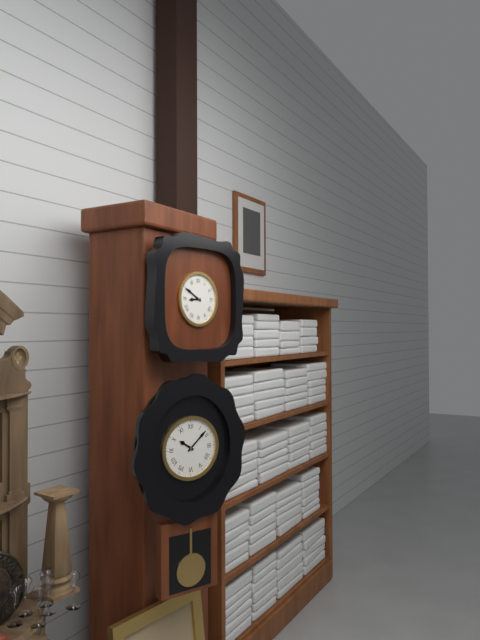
8:50
